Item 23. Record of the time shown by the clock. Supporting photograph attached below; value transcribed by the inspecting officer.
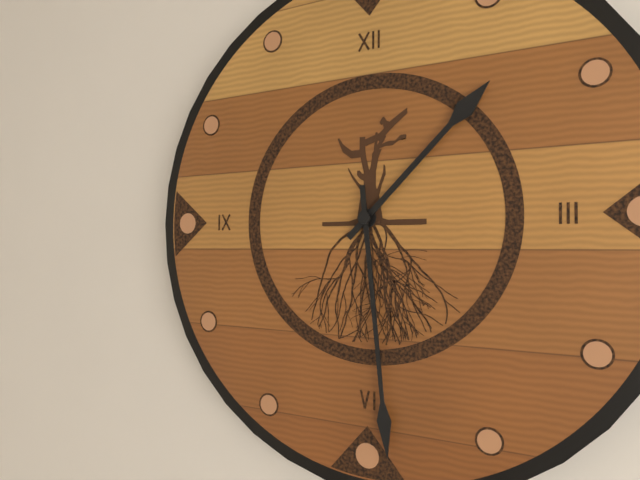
1:29
